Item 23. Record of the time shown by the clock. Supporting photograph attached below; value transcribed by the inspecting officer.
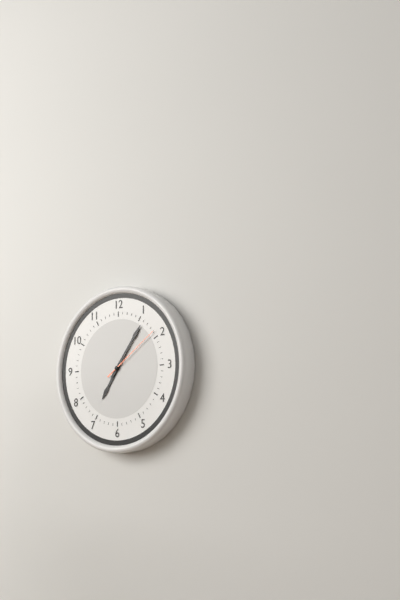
7:06:09
